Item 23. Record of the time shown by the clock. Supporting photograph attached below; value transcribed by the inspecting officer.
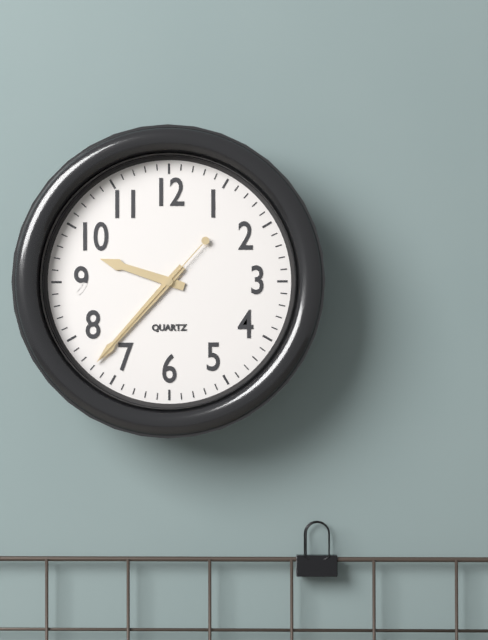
9:37:37
